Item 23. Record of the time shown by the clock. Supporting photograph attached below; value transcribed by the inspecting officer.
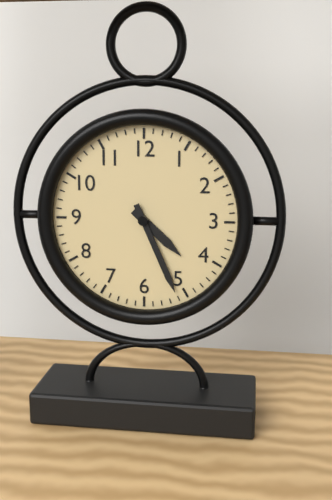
4:26
